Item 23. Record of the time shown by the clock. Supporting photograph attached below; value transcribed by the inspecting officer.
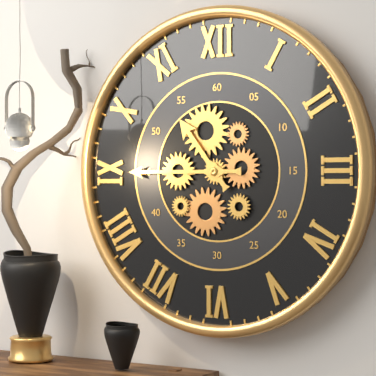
10:45
